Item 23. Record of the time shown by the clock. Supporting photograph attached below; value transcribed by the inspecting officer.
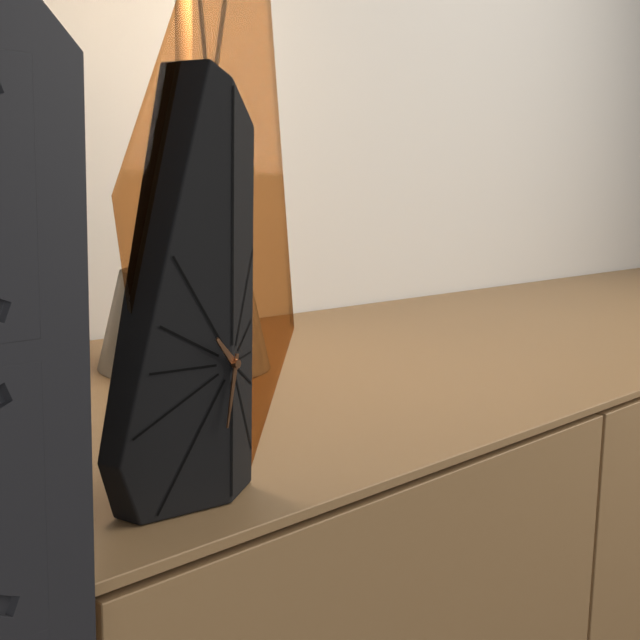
10:32
